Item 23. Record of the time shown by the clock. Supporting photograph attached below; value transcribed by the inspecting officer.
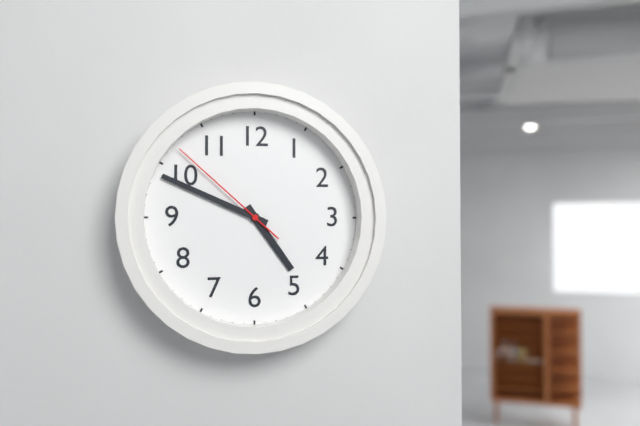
4:49:52
